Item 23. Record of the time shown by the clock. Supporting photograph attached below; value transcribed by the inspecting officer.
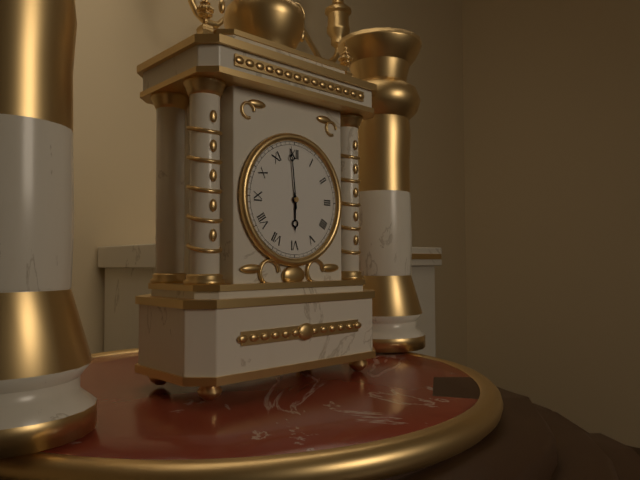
5:59
